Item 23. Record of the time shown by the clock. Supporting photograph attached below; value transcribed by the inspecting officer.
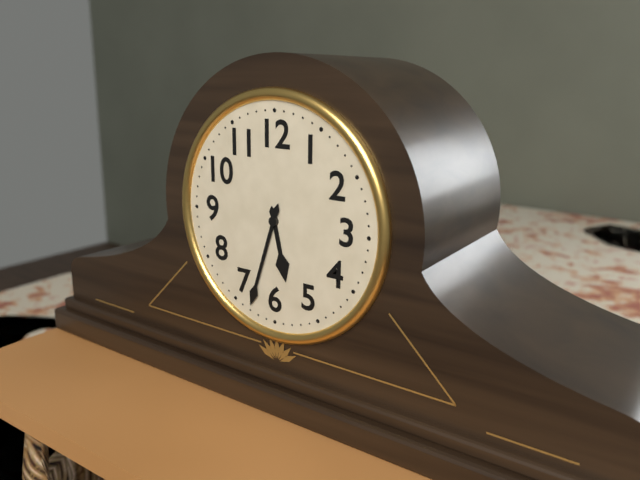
5:33
